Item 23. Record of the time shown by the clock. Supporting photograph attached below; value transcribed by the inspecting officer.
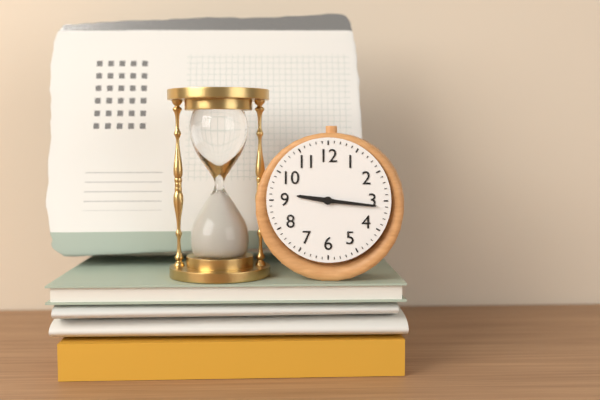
9:16
